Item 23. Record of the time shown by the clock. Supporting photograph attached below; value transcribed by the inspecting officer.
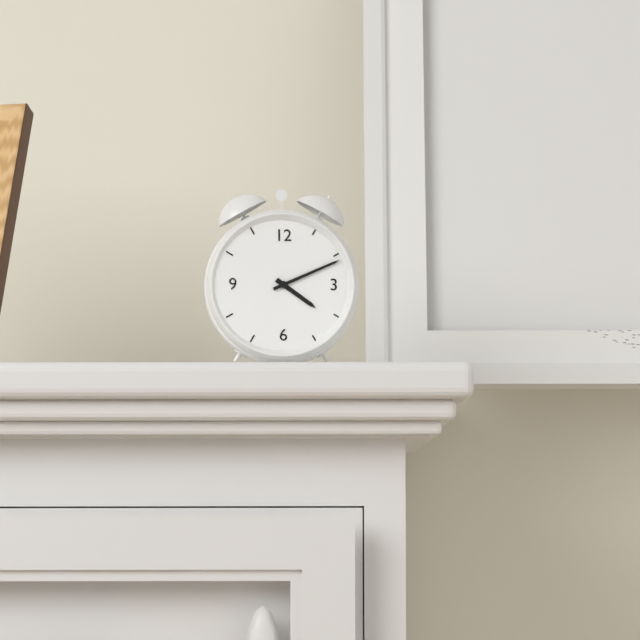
4:11
